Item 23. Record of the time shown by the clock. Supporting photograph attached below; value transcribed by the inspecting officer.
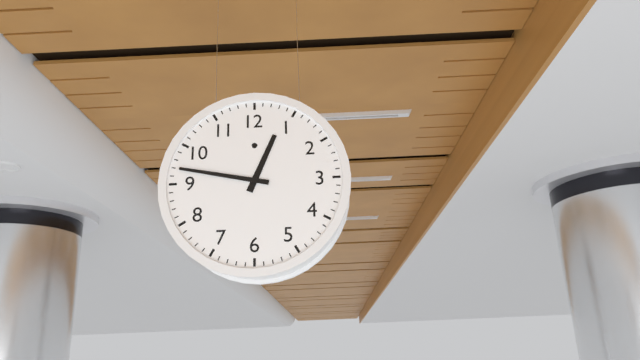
12:47
